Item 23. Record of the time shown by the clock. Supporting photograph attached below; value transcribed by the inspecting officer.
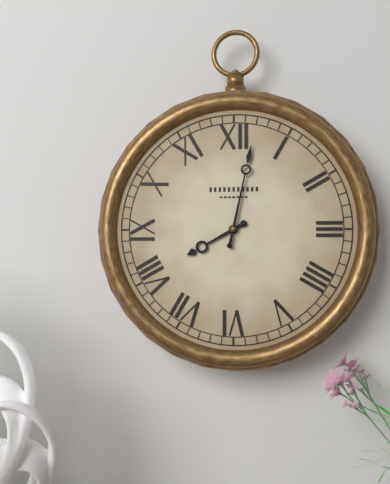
8:02
